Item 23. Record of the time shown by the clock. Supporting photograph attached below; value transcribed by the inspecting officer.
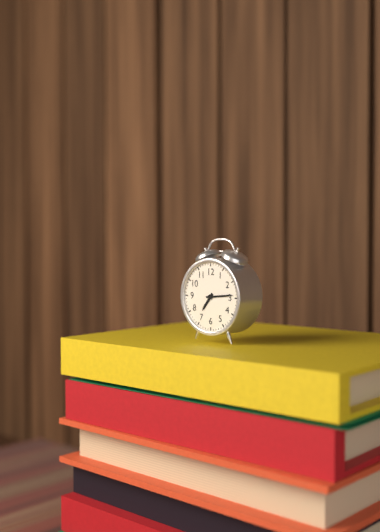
7:14
